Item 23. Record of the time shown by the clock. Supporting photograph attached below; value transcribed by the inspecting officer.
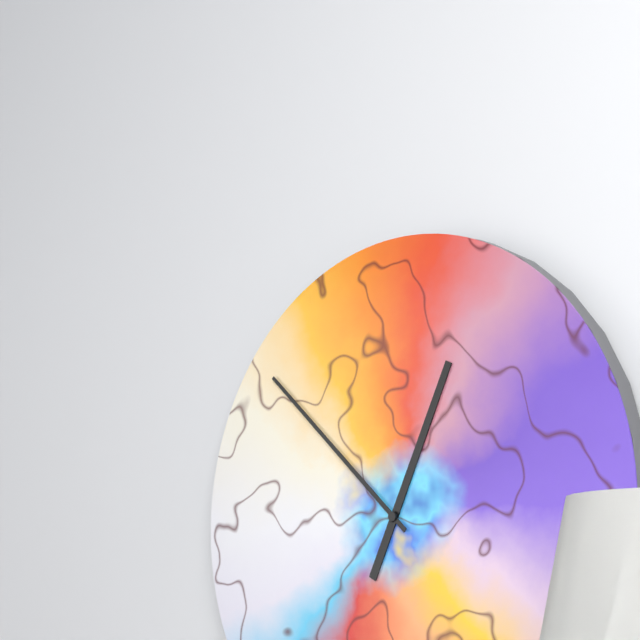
12:52
